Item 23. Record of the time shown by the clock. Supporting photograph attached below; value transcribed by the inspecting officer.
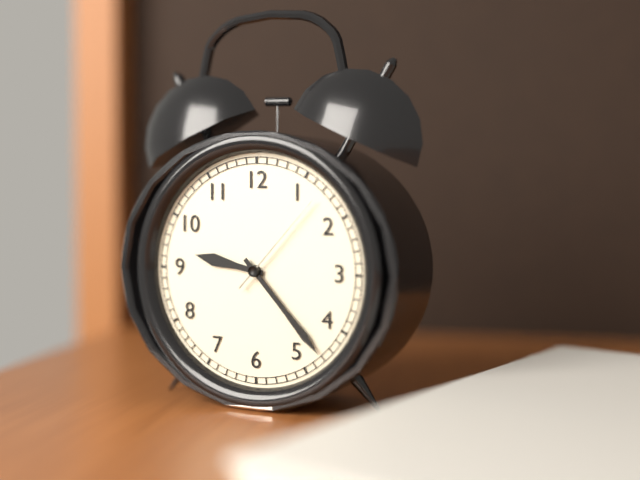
9:23:07
